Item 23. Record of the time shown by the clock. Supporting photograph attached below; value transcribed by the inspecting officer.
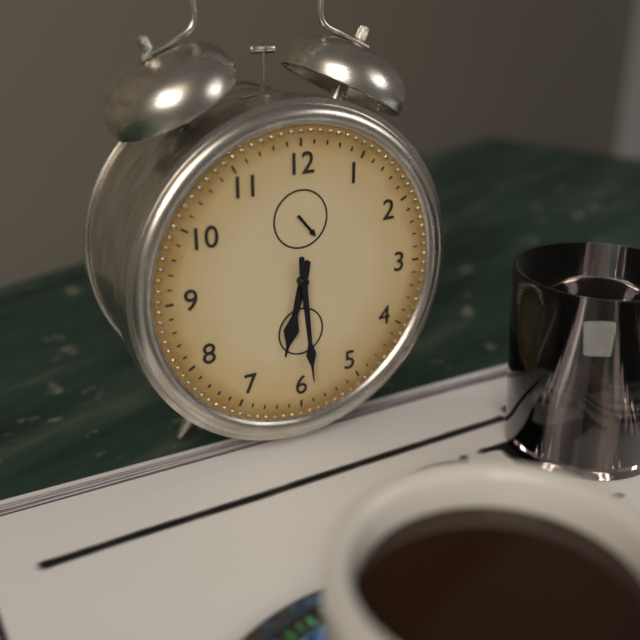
6:29
